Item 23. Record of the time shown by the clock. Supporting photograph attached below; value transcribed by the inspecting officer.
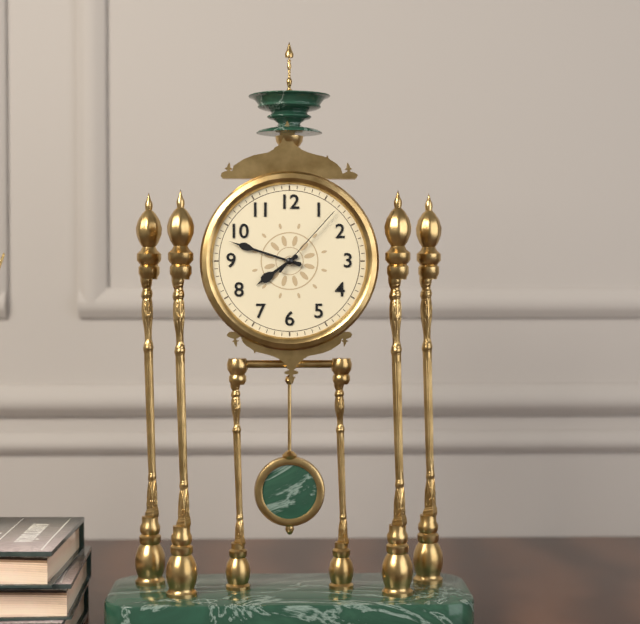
7:48:07
